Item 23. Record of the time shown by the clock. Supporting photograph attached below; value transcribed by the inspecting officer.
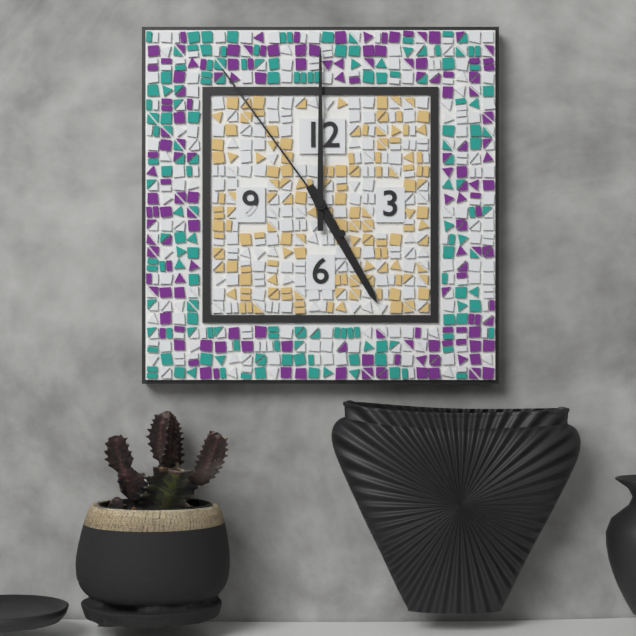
5:00:54
